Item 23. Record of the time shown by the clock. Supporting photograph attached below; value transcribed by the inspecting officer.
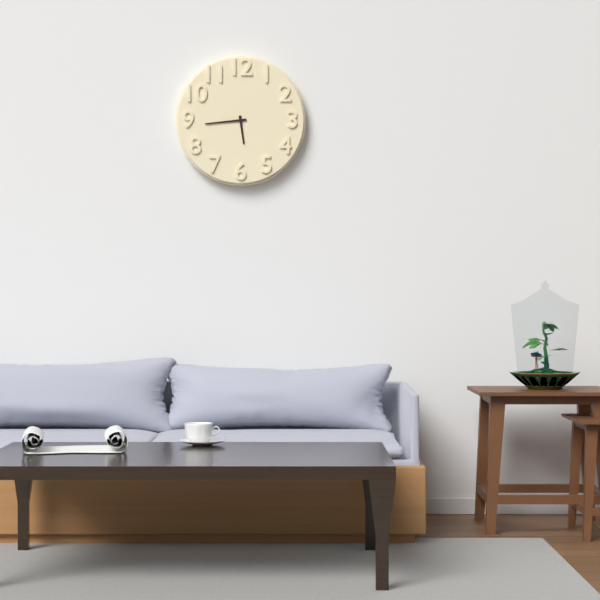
5:44
